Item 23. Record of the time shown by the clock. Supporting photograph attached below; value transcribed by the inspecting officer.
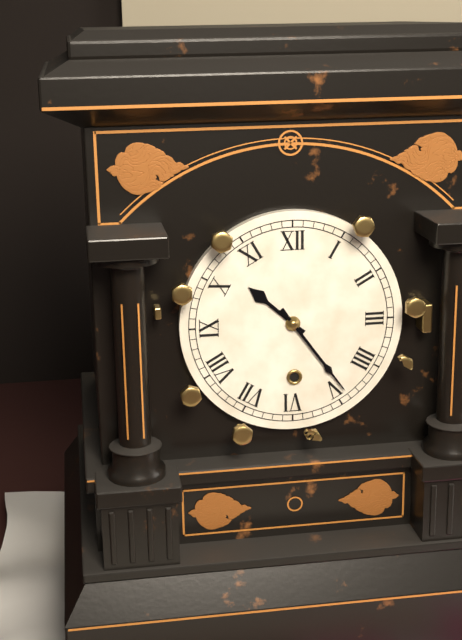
10:24
